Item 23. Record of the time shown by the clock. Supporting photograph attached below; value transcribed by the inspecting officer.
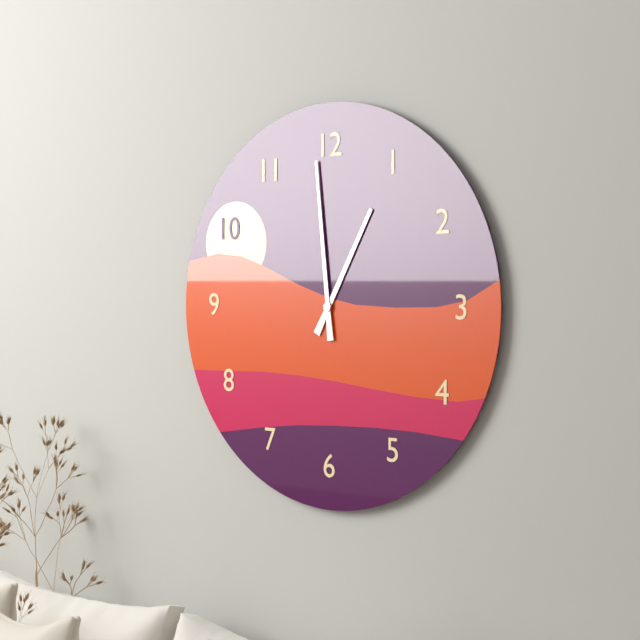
12:59
